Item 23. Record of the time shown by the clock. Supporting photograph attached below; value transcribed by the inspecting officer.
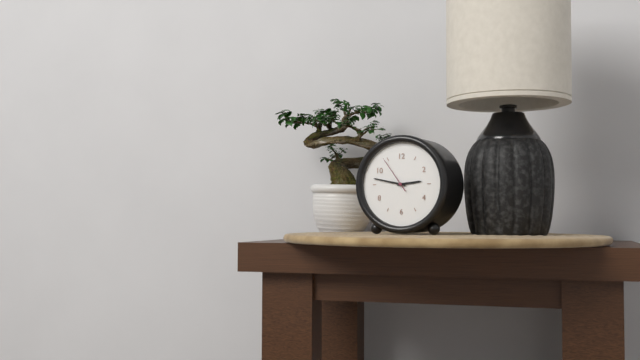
2:47
